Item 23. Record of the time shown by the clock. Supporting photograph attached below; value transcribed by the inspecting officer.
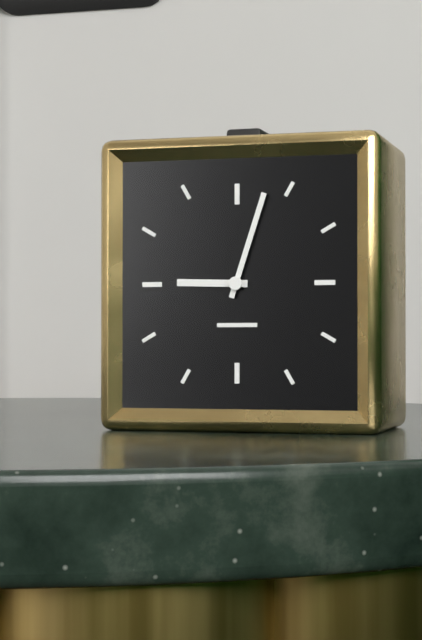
9:03
